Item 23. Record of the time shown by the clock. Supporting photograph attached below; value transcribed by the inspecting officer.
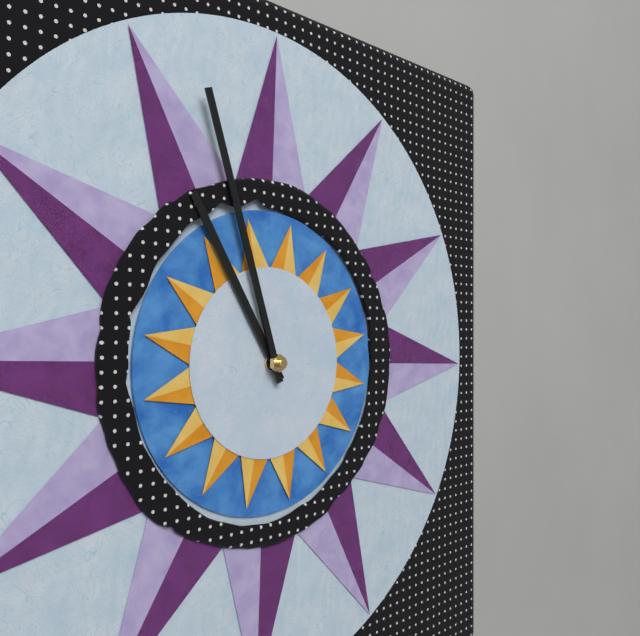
10:57
